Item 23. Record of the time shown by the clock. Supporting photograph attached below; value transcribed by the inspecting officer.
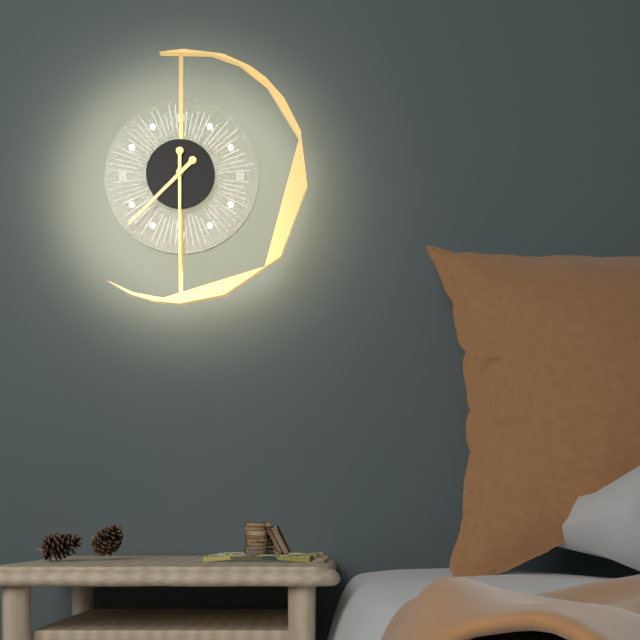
7:30
